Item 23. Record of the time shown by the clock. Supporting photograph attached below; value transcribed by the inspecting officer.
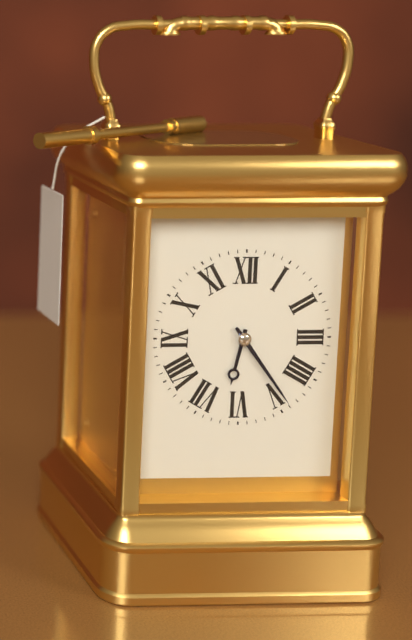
6:24
